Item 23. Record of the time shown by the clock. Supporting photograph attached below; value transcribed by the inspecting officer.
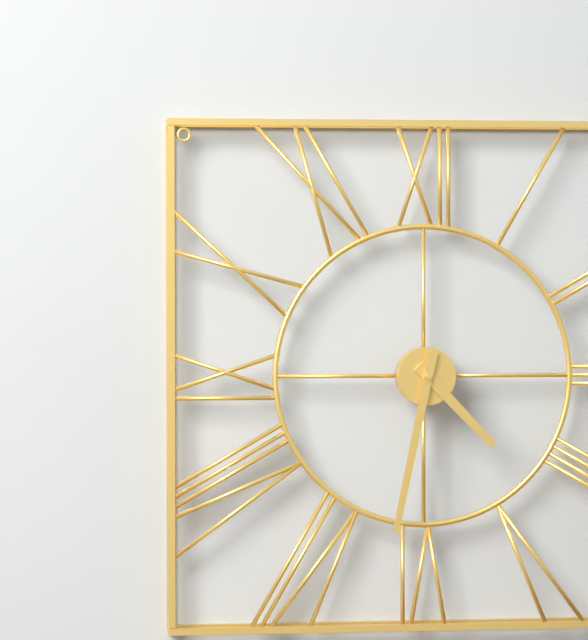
4:32
